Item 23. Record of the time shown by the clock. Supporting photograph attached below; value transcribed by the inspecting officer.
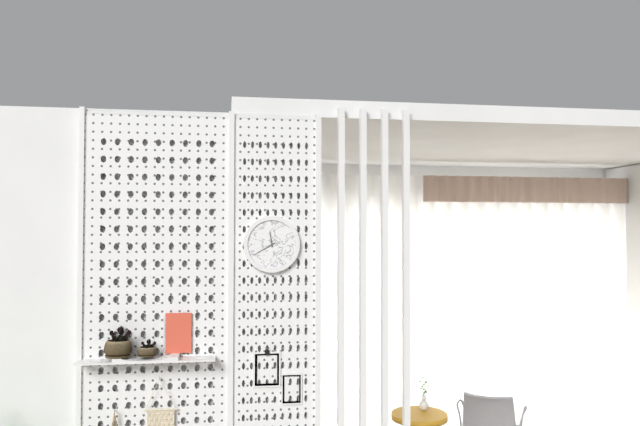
11:40
